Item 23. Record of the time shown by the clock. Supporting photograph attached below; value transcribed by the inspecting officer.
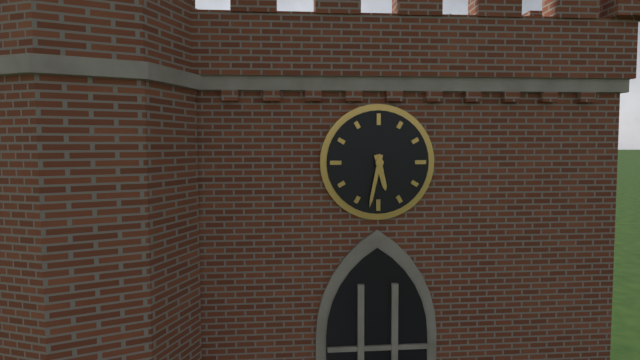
5:32
